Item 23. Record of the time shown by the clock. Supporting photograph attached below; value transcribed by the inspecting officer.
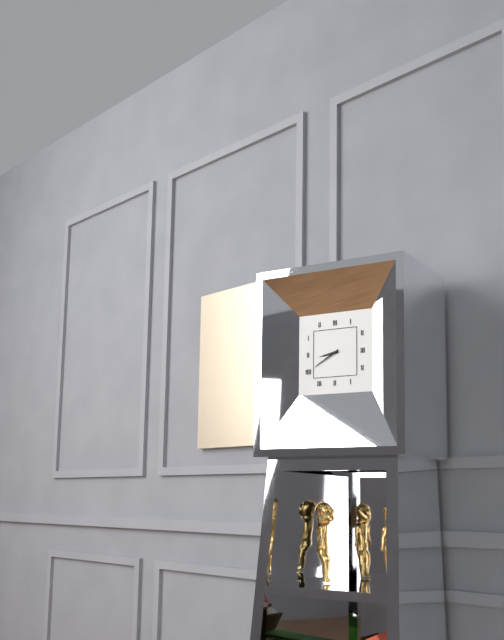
8:40
